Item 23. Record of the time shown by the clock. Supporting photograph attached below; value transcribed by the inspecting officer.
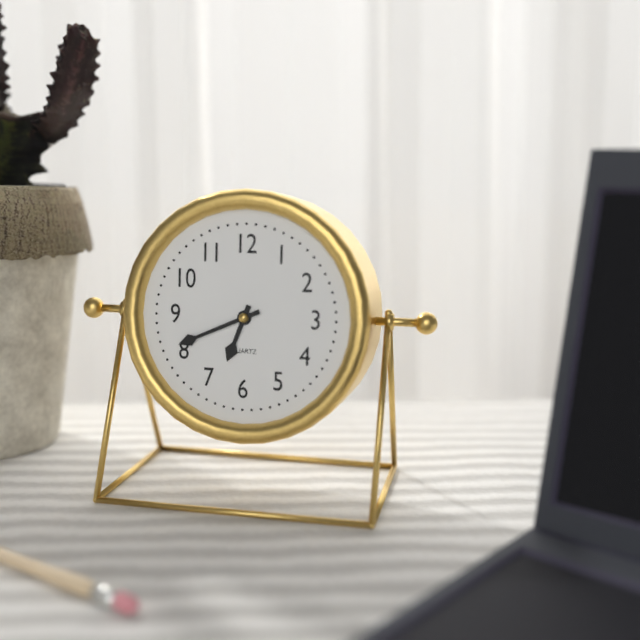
6:41
